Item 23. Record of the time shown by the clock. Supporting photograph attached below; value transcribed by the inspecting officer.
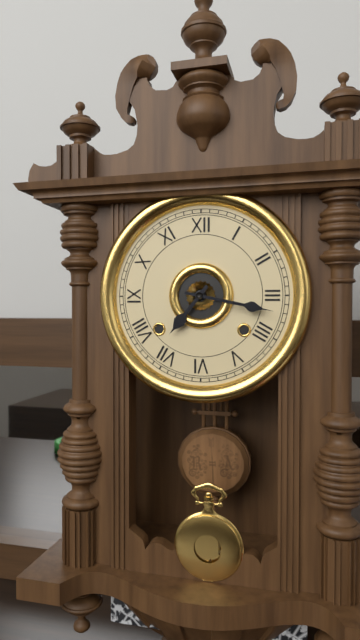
7:17
